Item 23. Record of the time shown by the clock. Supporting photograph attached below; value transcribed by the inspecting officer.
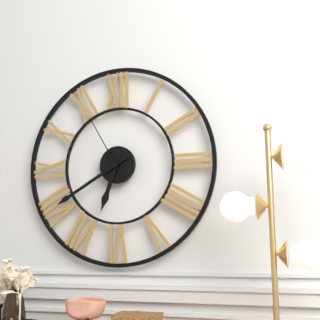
6:40:55
